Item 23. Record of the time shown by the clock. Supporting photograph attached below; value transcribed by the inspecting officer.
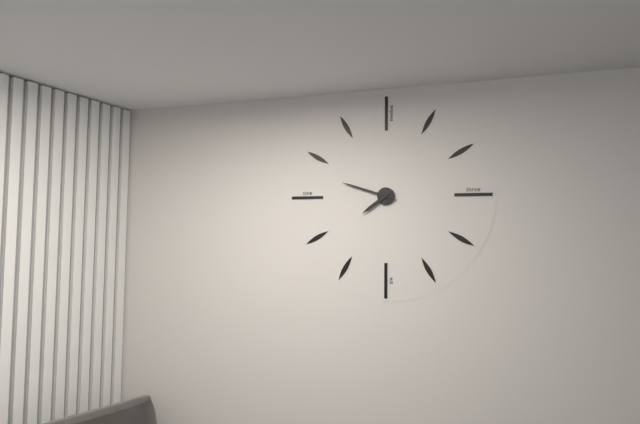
7:48
